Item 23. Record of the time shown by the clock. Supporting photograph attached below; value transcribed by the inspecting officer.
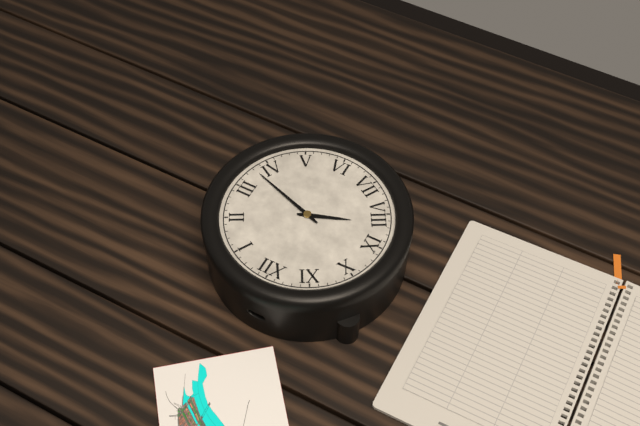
8:18
